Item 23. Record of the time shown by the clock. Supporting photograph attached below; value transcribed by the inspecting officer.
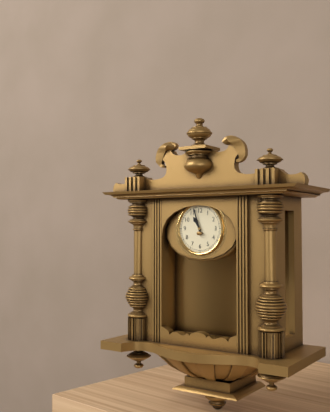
10:57
